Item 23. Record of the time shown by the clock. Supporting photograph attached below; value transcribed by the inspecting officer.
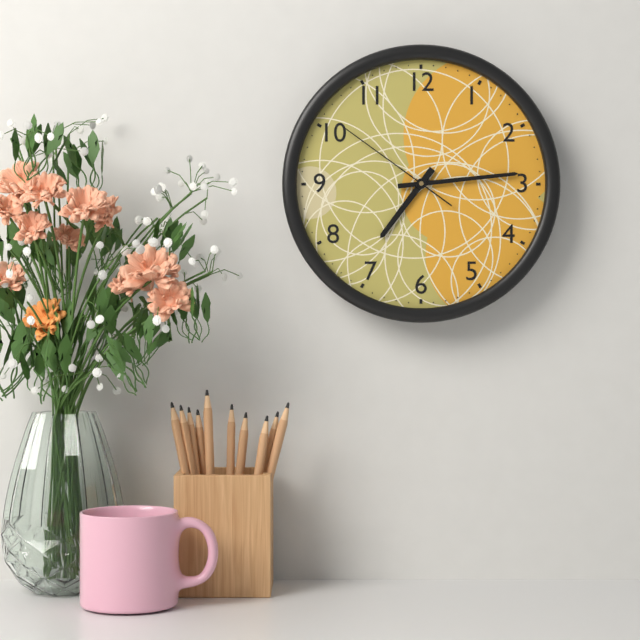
7:14:51
